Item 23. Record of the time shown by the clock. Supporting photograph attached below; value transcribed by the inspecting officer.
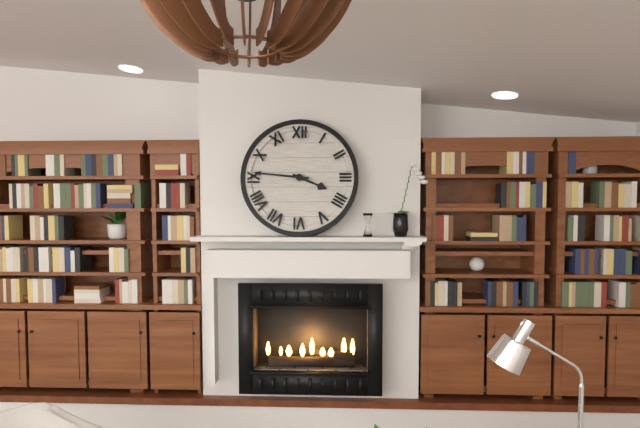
3:46
